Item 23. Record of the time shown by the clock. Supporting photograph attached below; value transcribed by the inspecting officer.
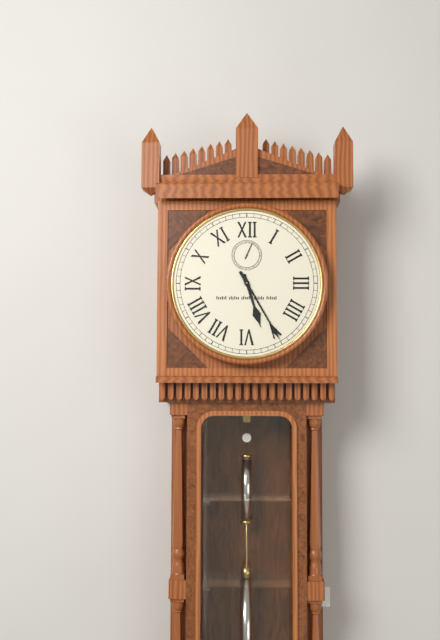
5:25
